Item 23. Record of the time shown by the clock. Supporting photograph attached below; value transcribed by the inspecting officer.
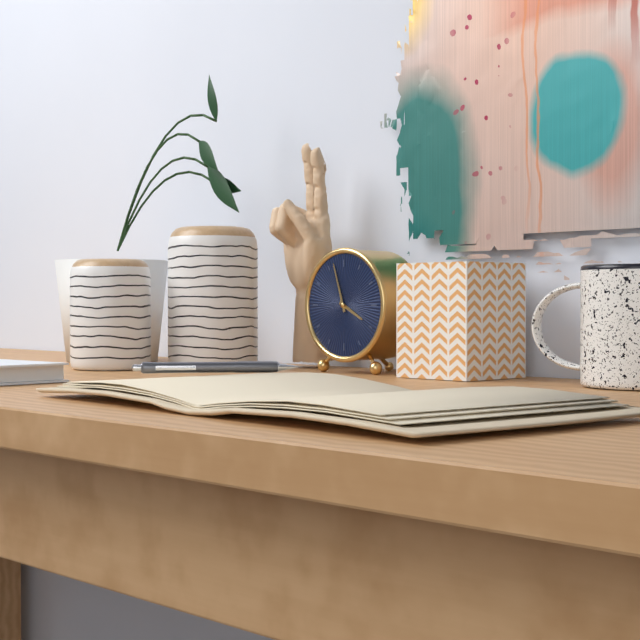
3:57
